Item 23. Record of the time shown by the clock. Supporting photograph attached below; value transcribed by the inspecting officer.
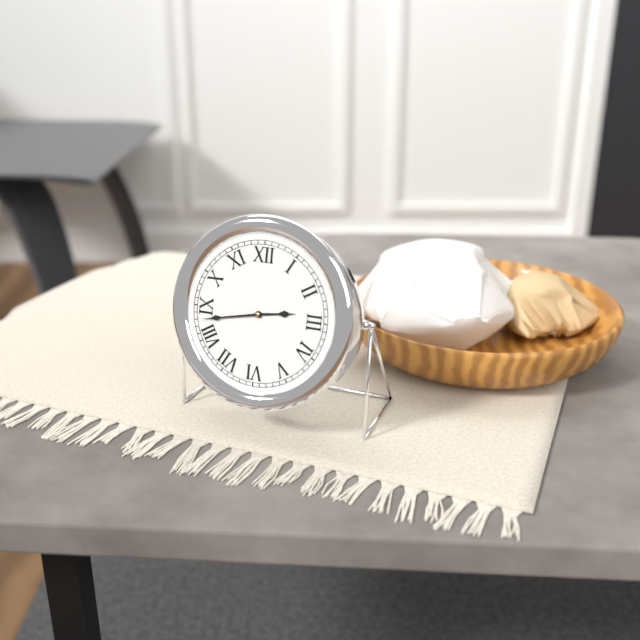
2:43
